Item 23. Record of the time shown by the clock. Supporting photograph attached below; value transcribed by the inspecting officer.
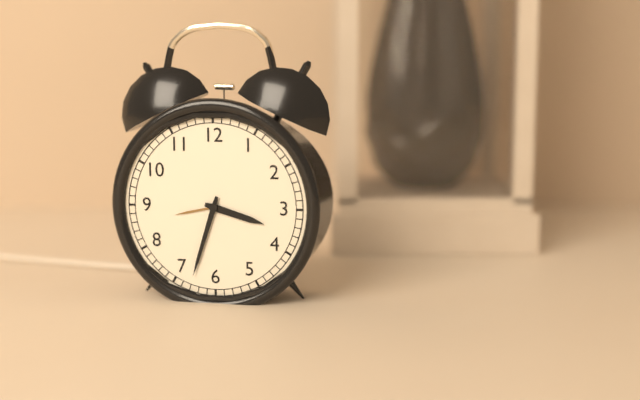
3:33
